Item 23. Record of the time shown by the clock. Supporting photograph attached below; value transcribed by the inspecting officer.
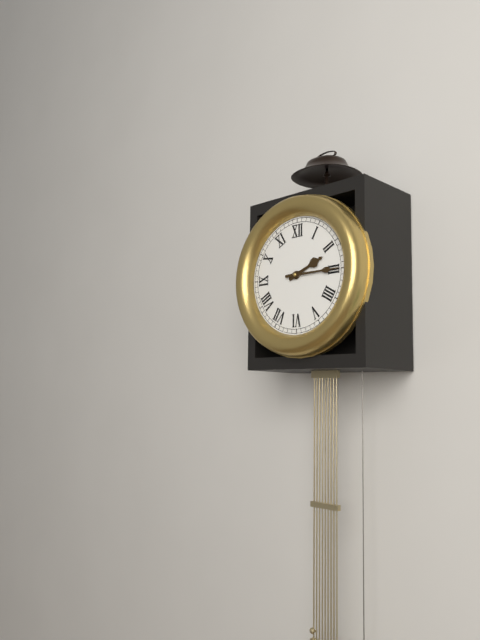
2:15
